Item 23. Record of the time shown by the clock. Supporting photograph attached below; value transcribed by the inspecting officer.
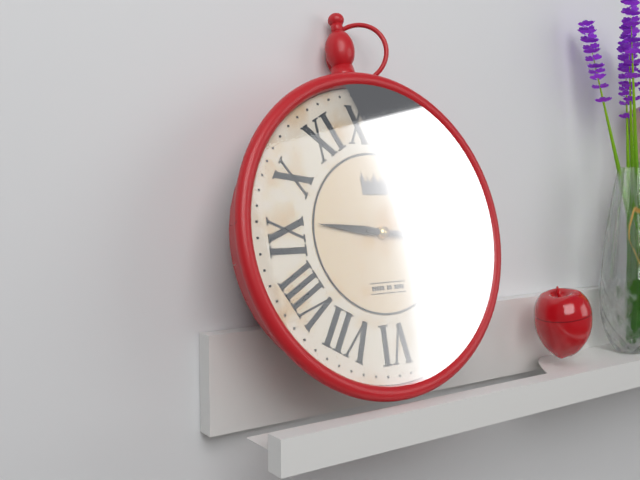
9:16
